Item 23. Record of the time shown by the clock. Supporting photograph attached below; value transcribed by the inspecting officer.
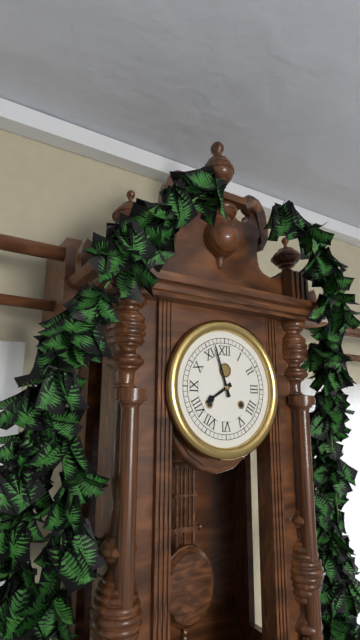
7:57
